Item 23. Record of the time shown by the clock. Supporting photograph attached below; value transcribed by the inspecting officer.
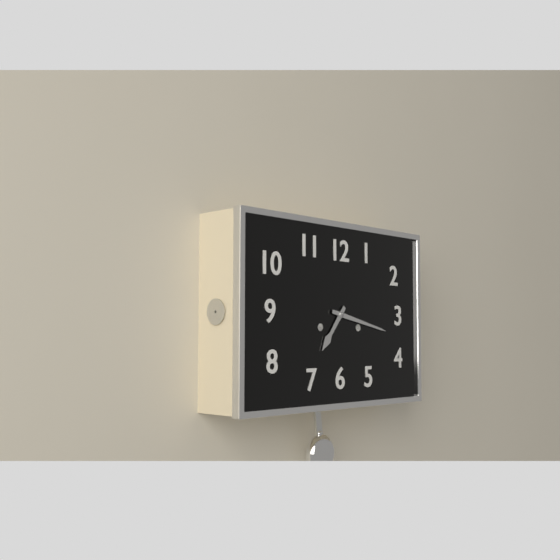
7:17
